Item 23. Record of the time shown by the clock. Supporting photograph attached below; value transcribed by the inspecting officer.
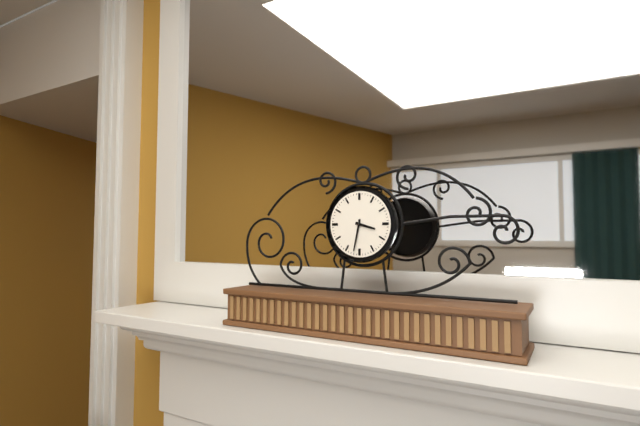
3:32
